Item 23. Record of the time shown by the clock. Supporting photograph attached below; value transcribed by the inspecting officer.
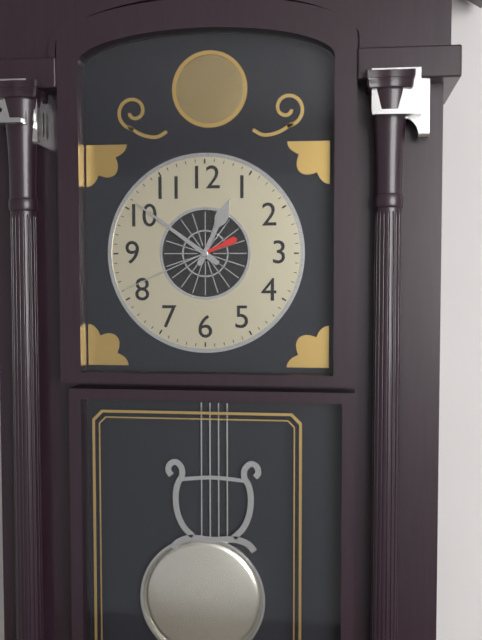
12:51:41
